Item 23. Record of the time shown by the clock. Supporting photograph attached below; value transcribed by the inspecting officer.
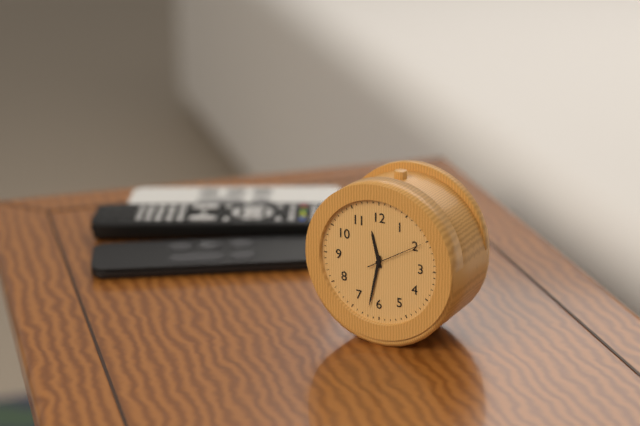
11:32:10
